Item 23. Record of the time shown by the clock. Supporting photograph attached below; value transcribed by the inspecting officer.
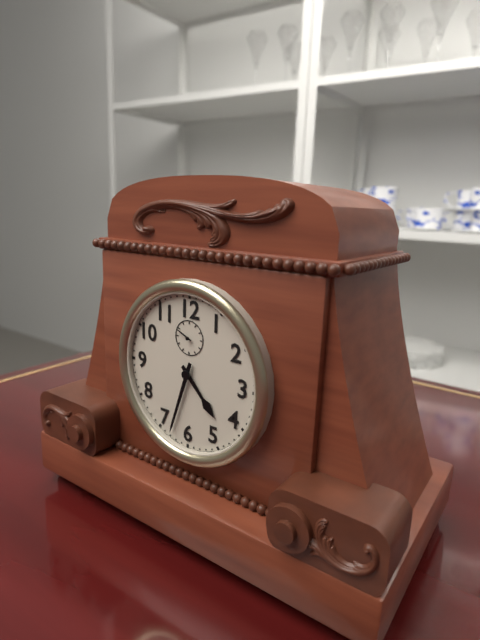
4:33
